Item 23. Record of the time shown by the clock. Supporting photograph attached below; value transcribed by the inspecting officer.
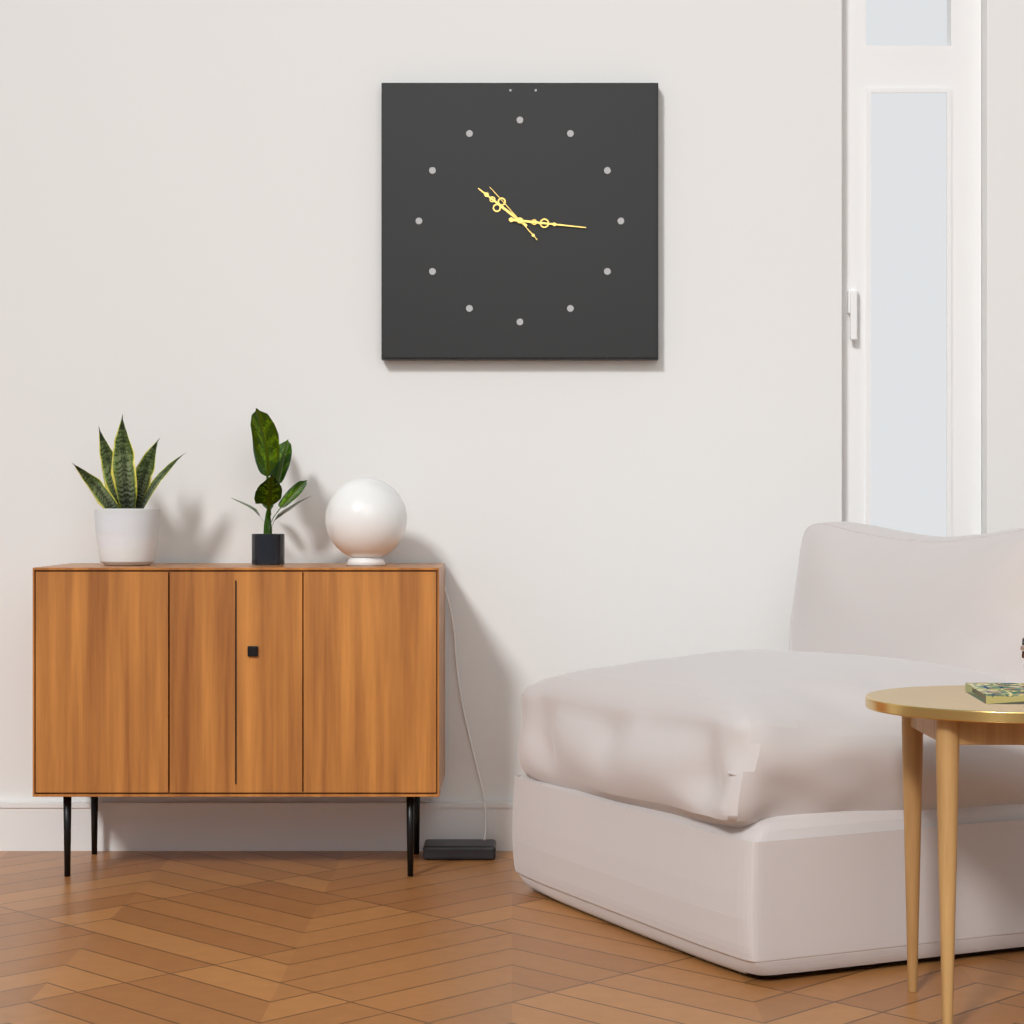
10:16:53
